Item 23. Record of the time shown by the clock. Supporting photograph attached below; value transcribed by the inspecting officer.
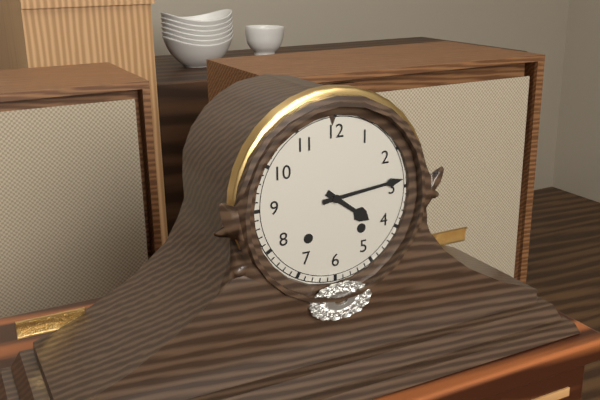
4:14
